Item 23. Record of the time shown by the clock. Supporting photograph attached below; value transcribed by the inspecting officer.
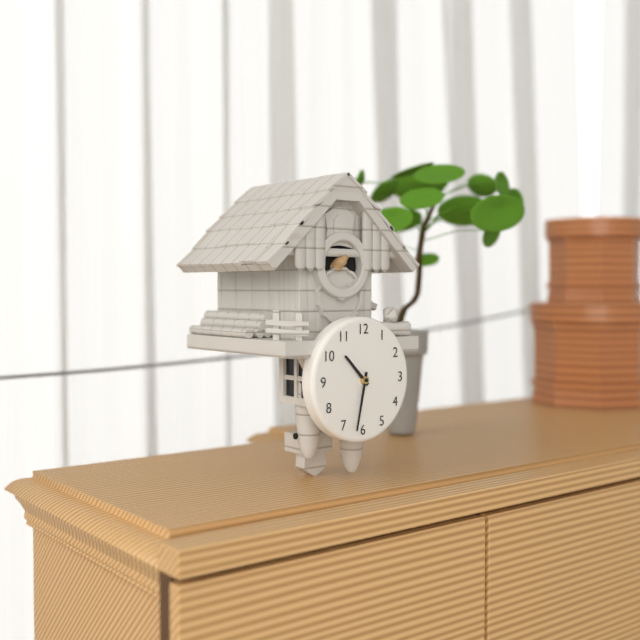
10:32
